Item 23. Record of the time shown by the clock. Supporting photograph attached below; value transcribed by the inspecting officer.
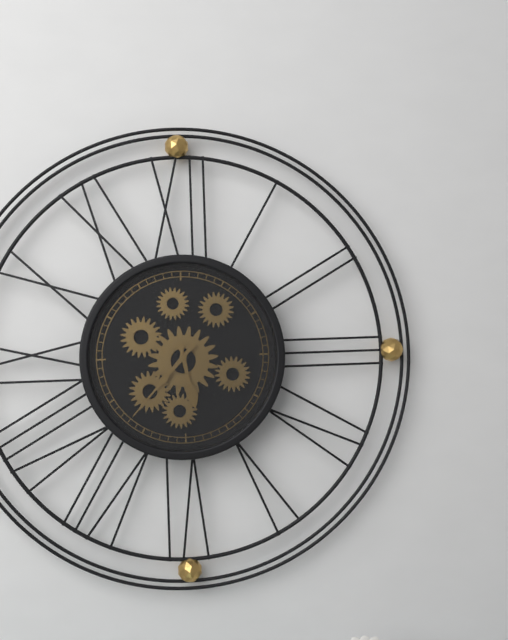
5:37
